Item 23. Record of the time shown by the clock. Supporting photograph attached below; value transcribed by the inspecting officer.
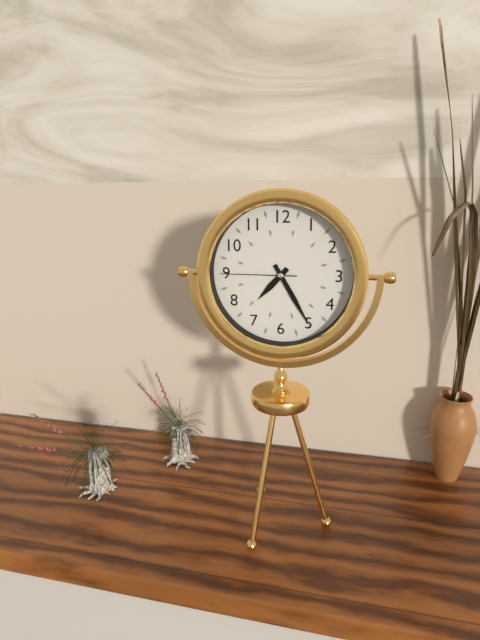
7:25:45
